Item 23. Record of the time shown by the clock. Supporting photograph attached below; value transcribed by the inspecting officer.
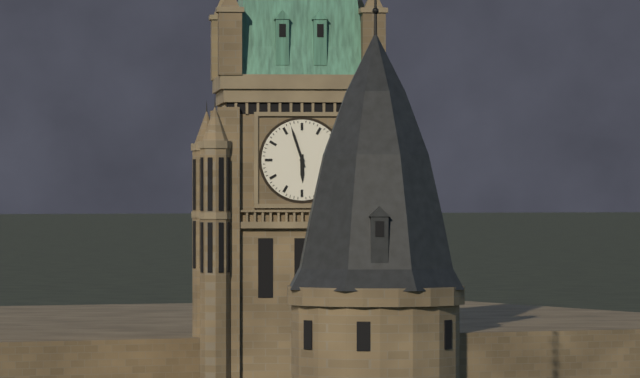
5:57
